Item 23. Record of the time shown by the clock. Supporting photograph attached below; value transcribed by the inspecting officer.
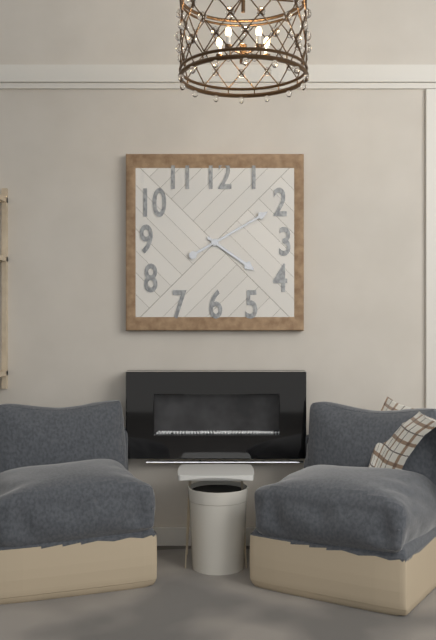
4:10
